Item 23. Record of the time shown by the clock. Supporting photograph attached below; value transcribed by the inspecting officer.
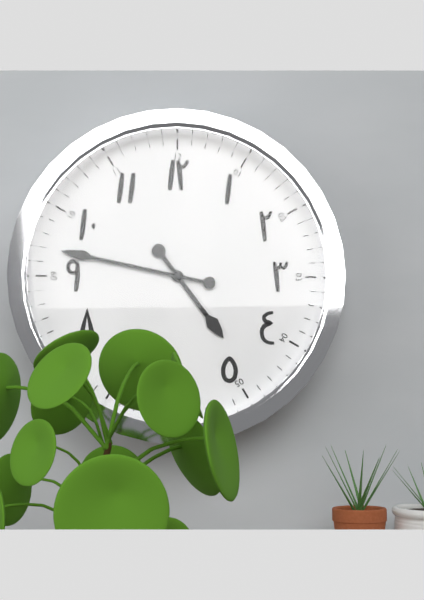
4:47
